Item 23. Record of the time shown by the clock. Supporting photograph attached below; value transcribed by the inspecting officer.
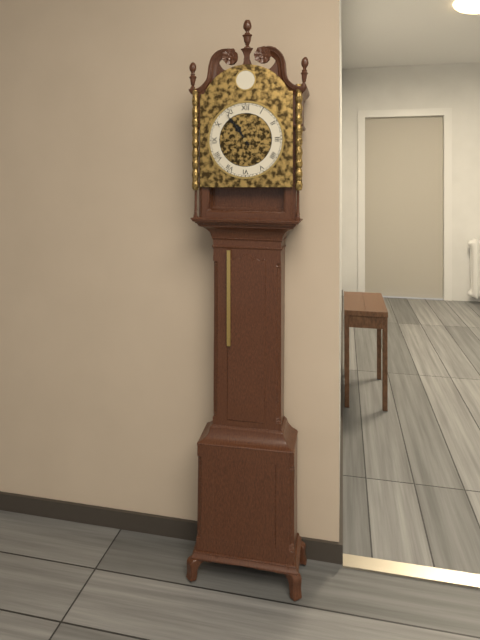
10:54
